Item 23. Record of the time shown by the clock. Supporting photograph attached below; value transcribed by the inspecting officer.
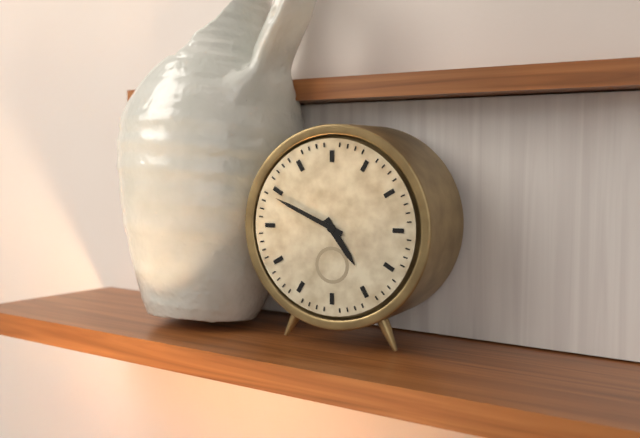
4:49
